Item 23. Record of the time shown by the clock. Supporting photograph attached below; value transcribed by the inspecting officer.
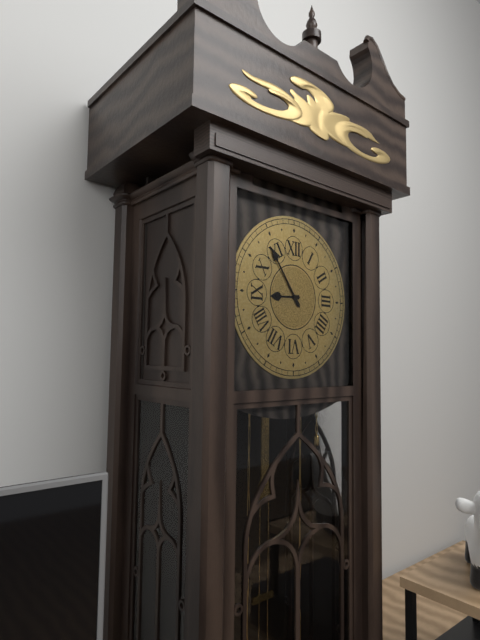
8:54
